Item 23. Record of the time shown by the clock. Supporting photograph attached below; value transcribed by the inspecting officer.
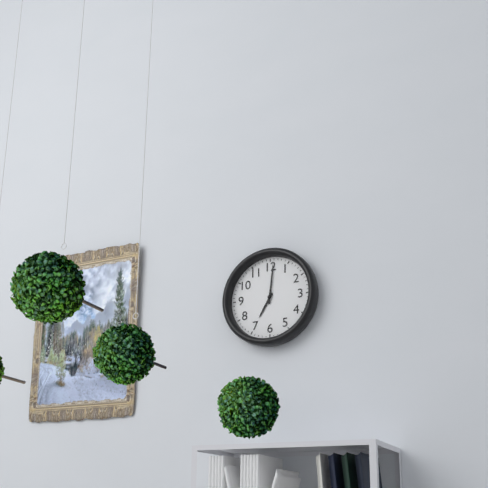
7:01
